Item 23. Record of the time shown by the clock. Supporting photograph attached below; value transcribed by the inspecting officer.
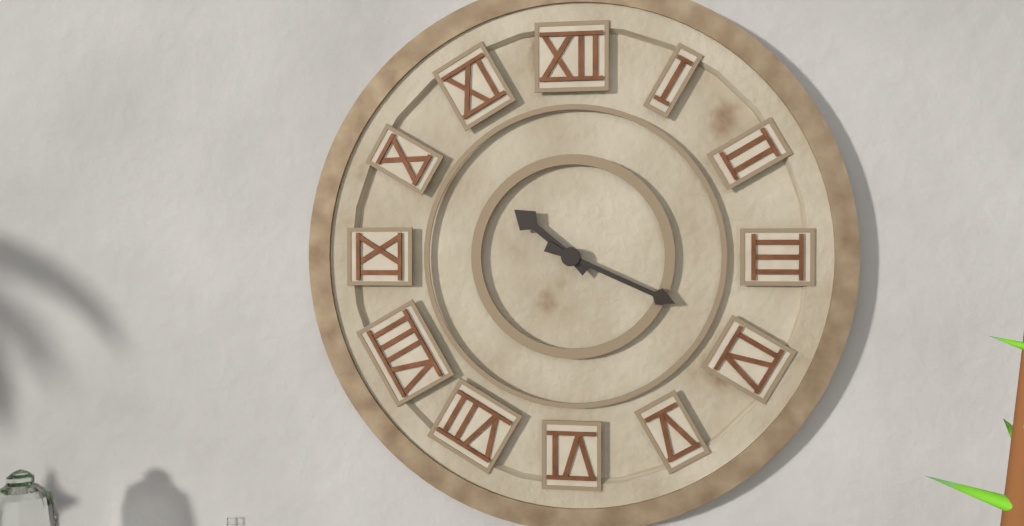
10:19
